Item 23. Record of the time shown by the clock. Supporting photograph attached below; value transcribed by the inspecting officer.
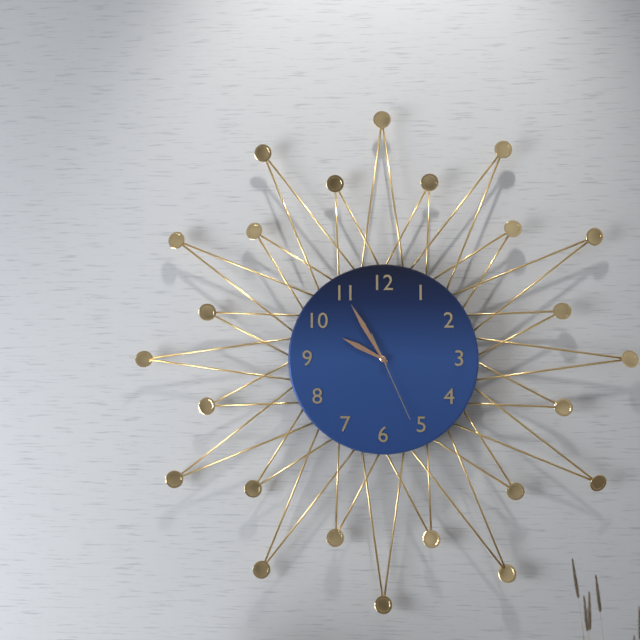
9:55:26
